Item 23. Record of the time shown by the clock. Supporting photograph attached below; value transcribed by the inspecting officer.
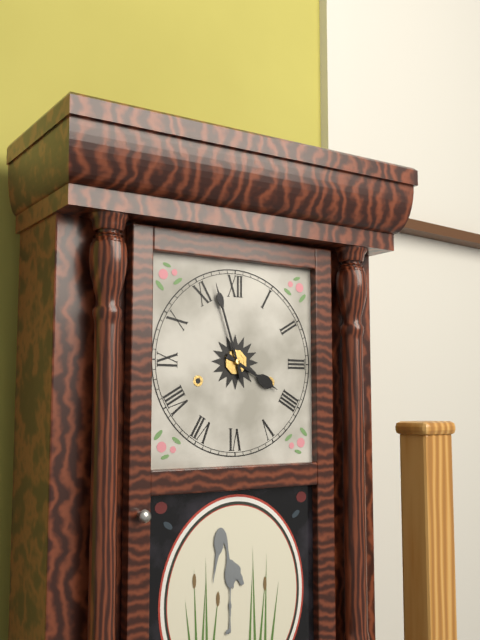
3:57
